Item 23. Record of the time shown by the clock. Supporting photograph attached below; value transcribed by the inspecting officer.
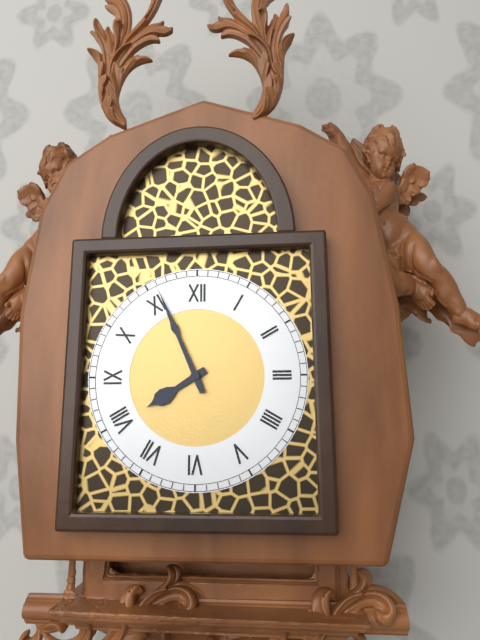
7:56
